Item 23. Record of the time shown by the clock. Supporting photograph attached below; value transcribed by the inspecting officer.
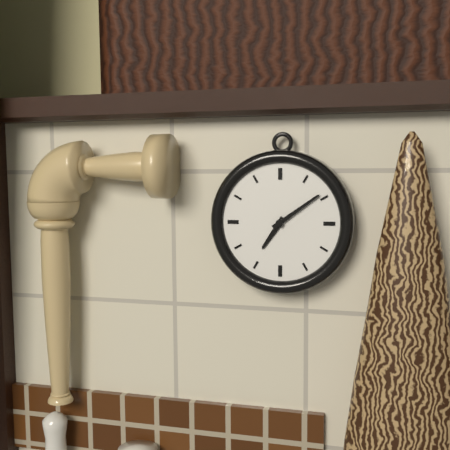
7:09
